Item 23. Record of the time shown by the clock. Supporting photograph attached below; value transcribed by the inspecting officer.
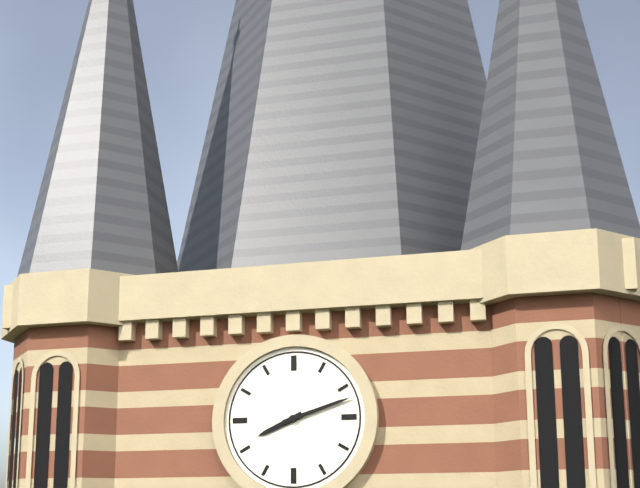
8:12
